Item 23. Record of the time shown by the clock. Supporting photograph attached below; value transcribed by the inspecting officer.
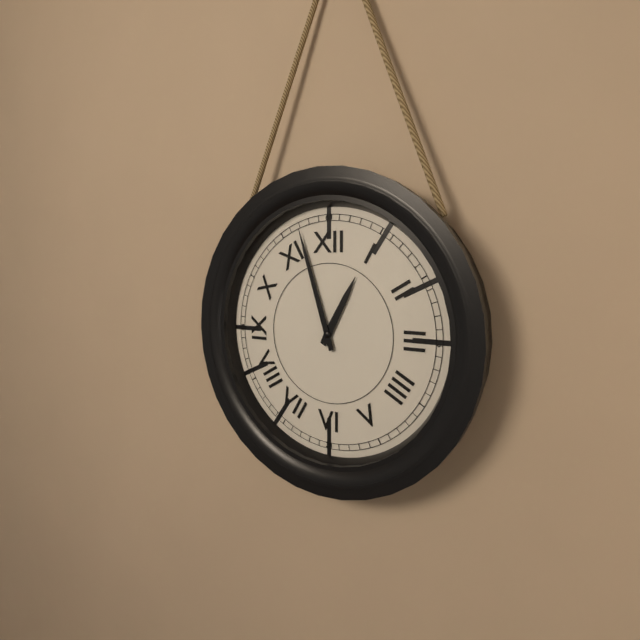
12:57
